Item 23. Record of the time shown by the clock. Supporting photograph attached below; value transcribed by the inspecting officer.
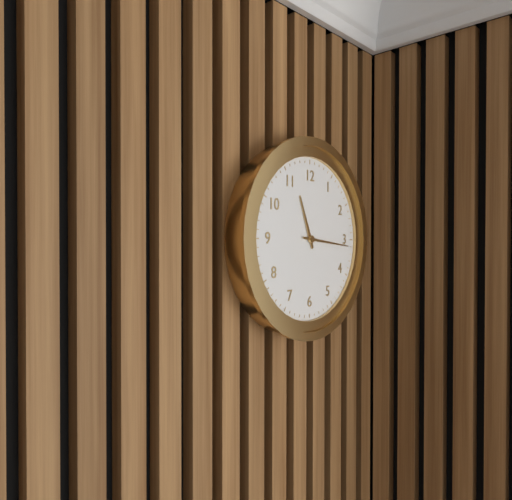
11:16
